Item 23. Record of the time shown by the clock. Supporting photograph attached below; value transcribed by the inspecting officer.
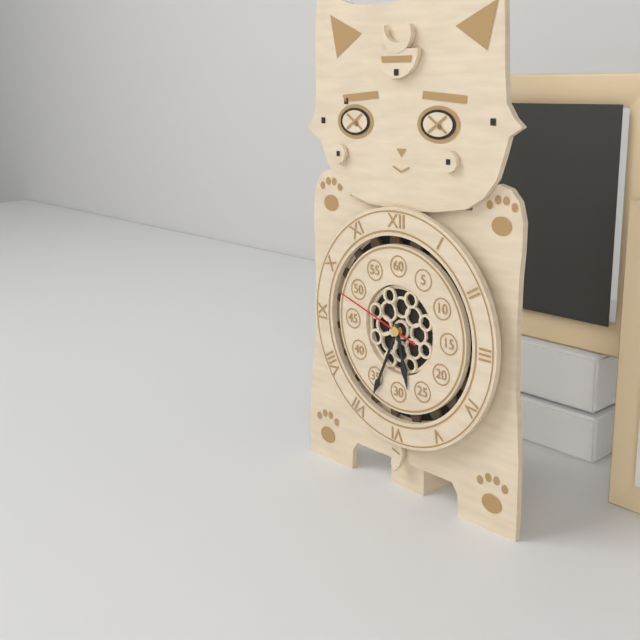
5:34:48
